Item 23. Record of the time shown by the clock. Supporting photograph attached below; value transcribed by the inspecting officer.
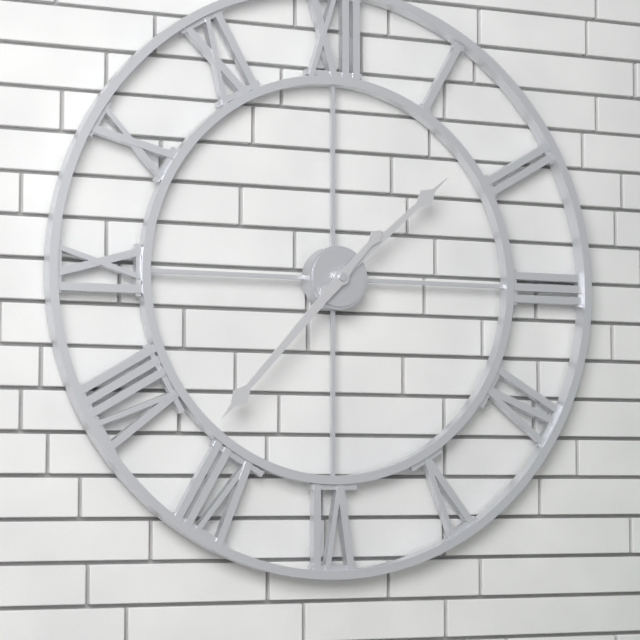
1:37
